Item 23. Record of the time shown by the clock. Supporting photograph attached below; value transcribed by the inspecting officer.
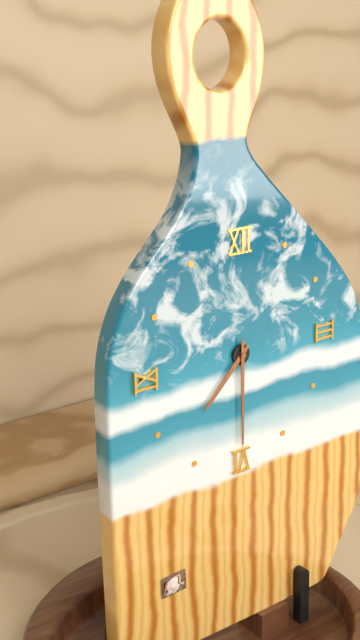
7:30
